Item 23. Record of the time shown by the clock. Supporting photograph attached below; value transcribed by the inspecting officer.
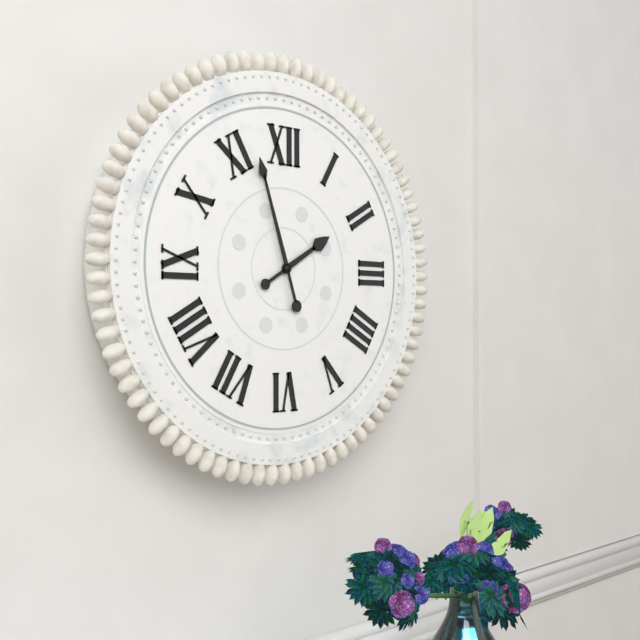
1:57
